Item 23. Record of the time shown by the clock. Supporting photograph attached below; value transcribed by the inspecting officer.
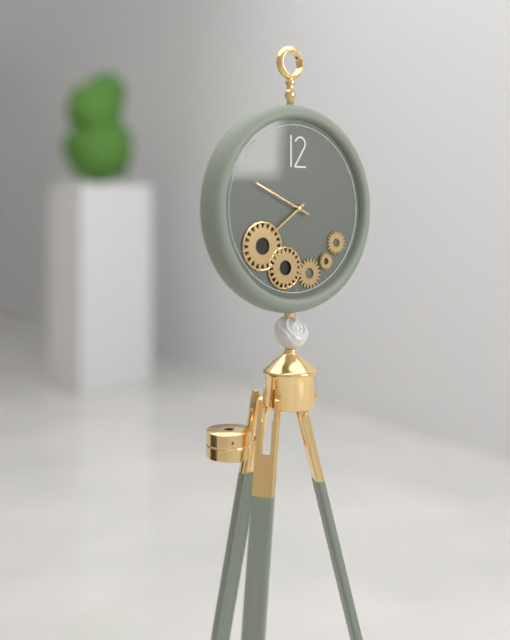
7:49
